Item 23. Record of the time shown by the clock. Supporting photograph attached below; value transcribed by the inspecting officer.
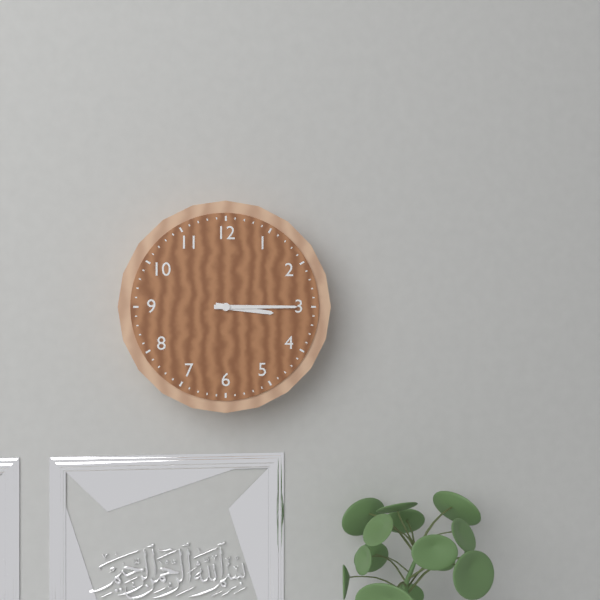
3:15
